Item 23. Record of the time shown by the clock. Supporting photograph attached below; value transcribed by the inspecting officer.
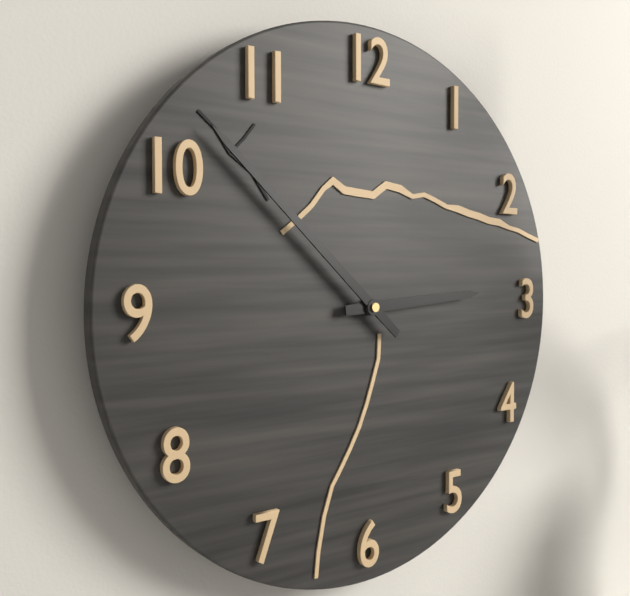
2:52
